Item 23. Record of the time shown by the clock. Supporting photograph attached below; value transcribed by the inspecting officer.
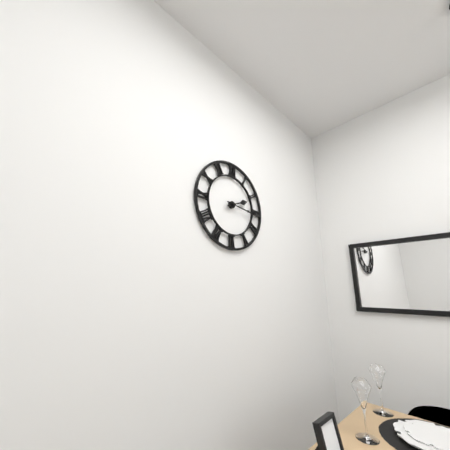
2:16
